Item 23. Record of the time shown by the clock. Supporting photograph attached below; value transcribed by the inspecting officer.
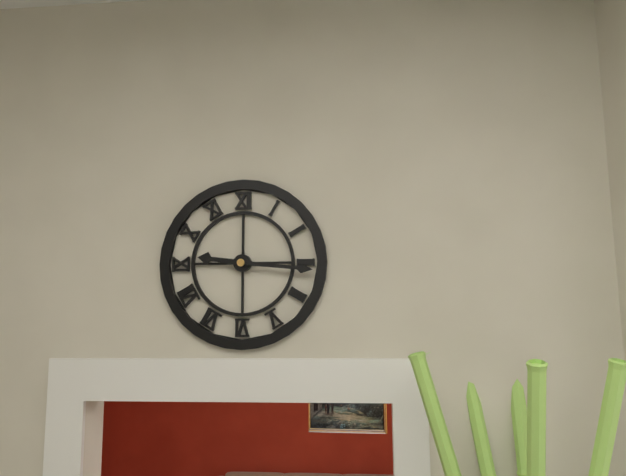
9:16
